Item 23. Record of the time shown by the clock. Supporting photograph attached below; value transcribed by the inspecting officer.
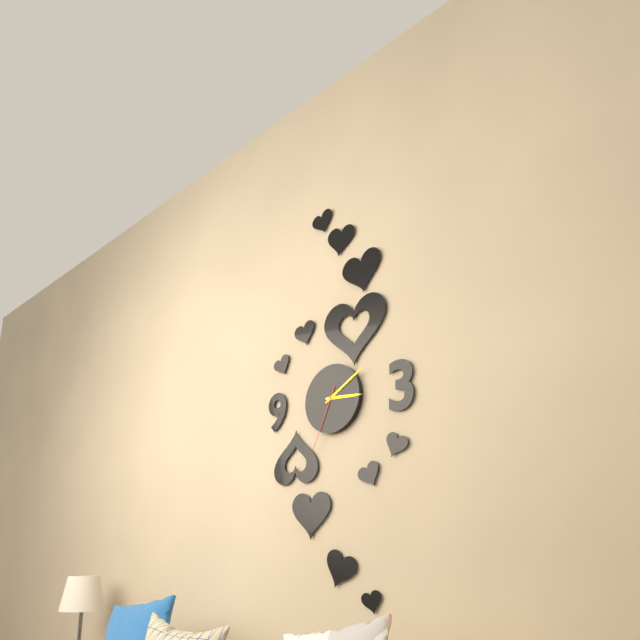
3:10:34
